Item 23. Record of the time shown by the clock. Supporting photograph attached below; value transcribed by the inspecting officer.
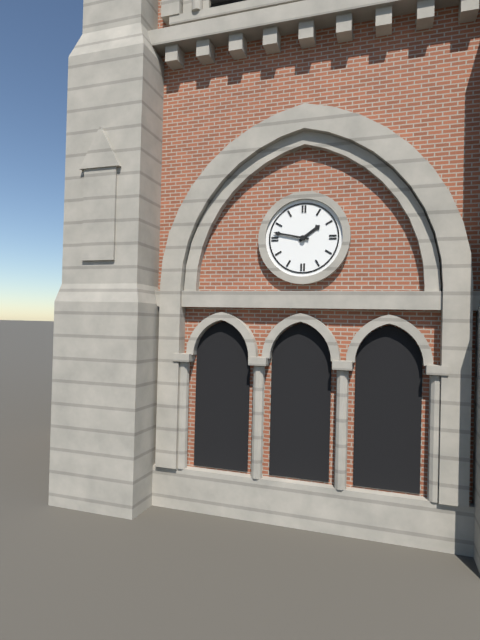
1:47
